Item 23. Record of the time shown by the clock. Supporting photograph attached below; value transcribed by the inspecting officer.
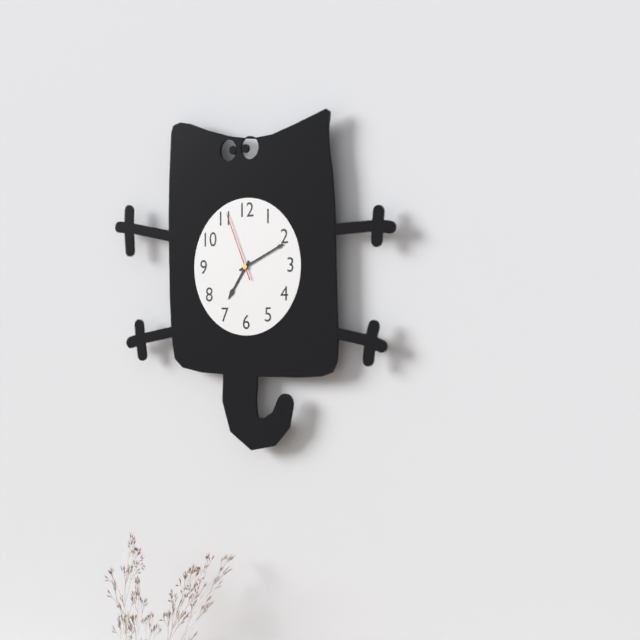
7:11:56
